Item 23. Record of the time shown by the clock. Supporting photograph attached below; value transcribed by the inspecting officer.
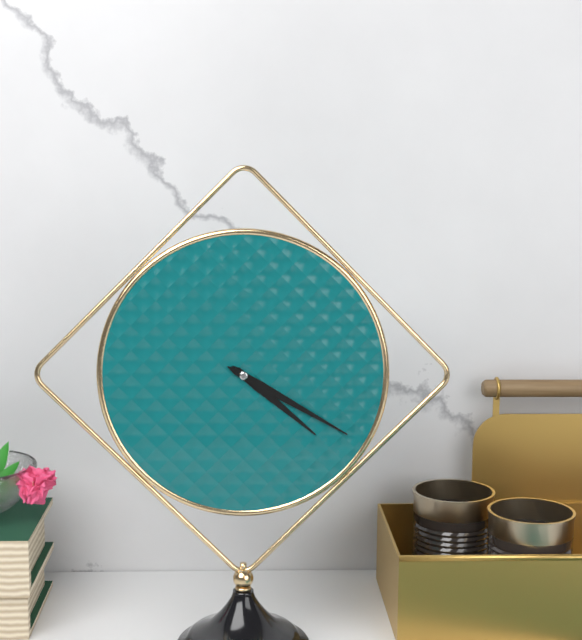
4:20
